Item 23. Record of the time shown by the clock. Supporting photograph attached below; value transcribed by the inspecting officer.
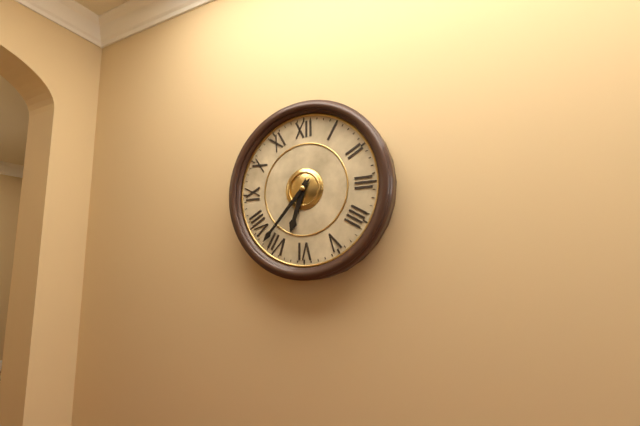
6:37
